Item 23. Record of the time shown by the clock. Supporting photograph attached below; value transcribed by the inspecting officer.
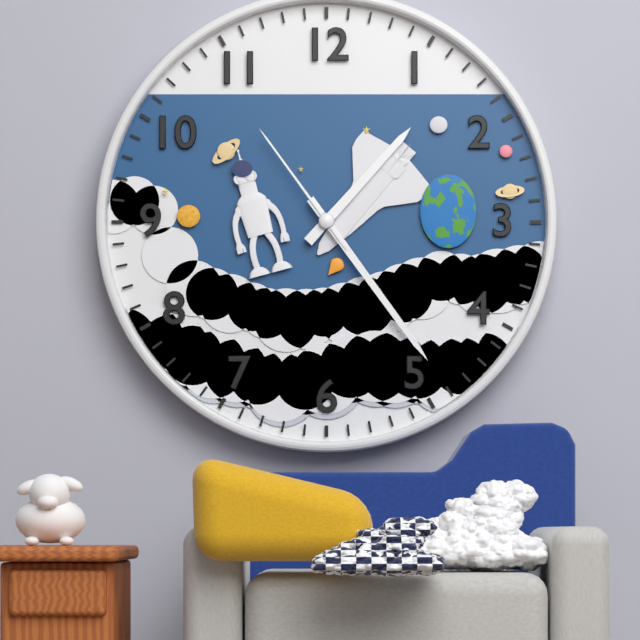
1:24:54
